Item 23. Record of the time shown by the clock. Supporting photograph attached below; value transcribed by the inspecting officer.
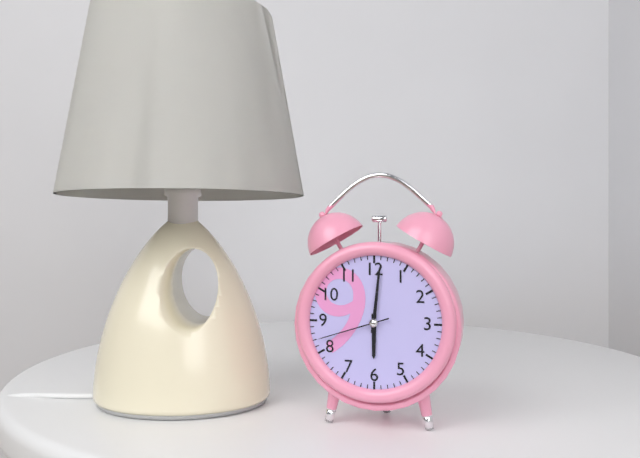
6:01:42
